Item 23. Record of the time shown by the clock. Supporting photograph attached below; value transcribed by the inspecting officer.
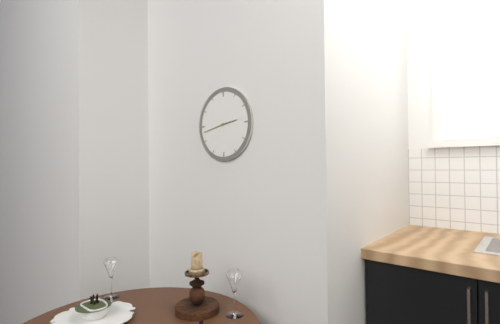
2:43
